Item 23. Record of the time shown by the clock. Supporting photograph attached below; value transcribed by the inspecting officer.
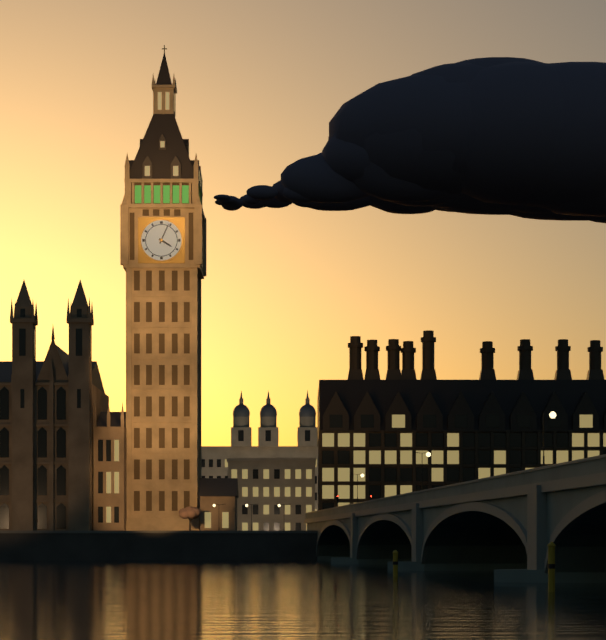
4:04
